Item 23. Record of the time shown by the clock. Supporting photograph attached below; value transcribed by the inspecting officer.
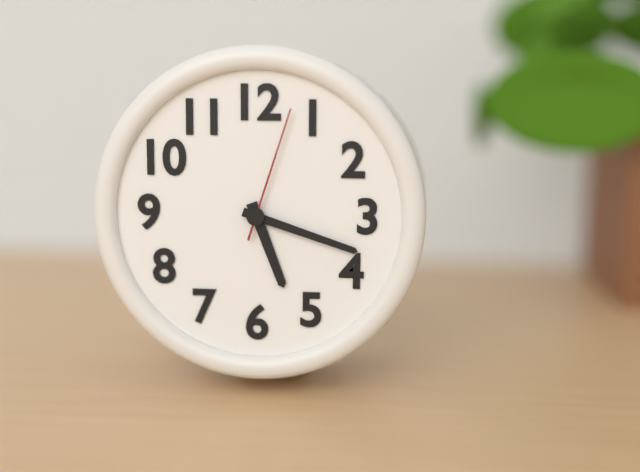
5:18:03
